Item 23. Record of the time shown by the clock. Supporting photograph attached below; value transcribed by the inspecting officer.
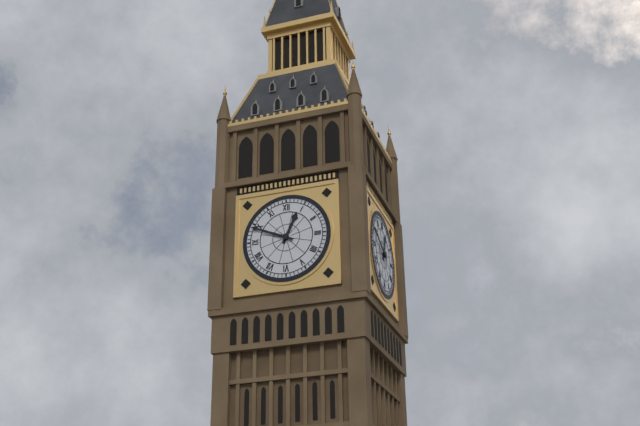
12:49
